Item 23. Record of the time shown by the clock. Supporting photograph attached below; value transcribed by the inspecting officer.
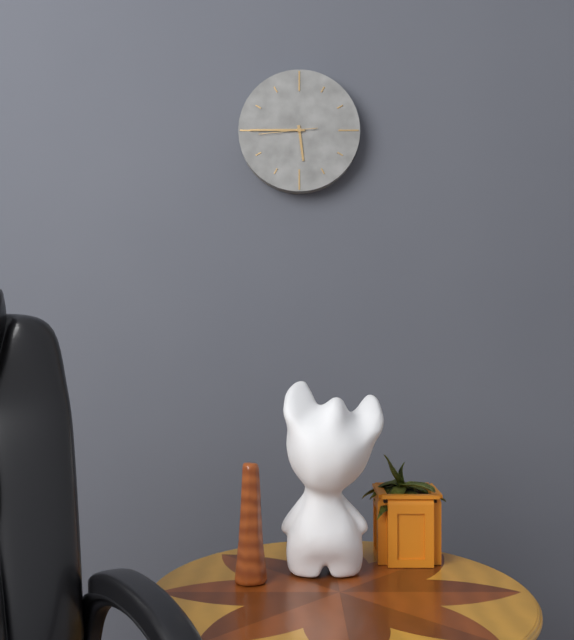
5:45:44
